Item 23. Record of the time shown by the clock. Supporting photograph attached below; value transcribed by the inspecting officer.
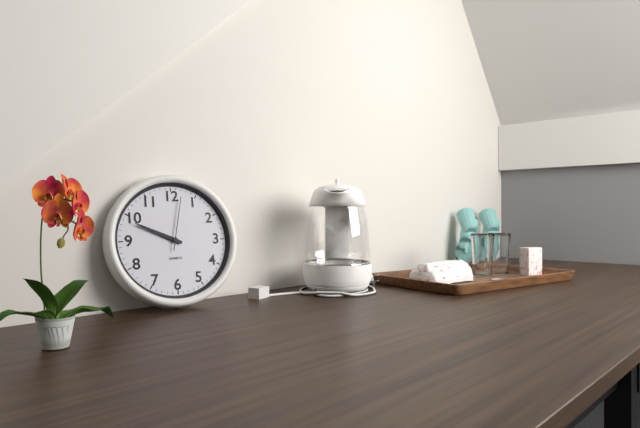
9:49:02
